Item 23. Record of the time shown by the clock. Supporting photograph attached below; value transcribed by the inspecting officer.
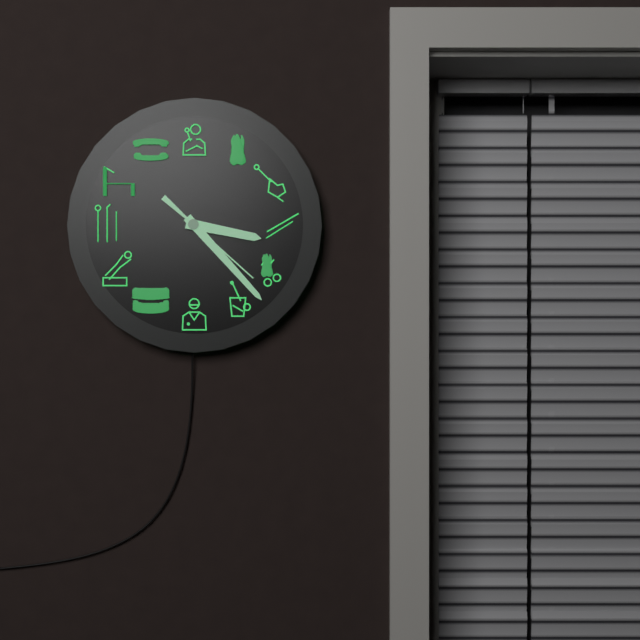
3:23:22
